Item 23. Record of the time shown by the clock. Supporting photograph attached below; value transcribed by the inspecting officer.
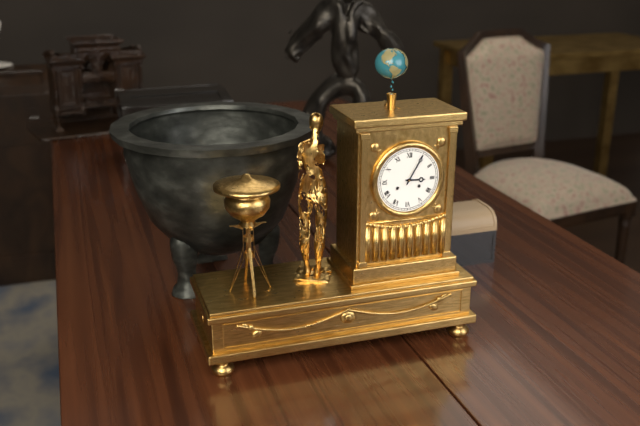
3:05
